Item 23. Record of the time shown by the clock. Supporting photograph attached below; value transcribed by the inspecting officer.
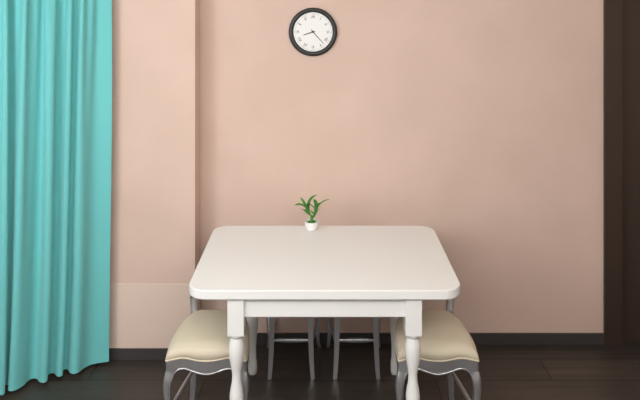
8:23
